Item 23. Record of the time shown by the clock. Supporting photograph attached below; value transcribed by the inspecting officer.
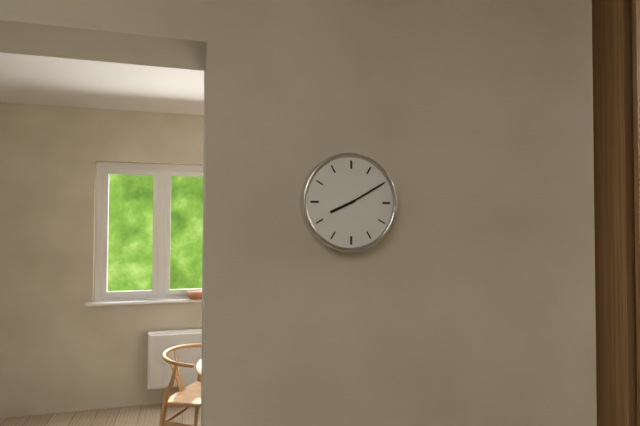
8:10
